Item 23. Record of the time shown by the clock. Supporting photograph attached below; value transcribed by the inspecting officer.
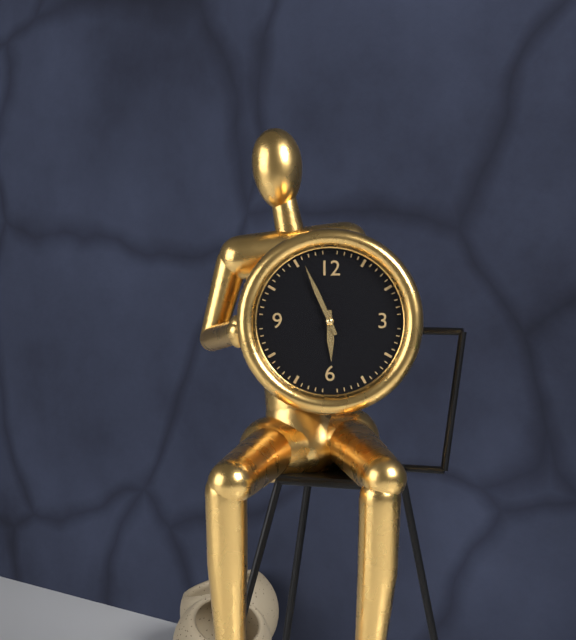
5:56
